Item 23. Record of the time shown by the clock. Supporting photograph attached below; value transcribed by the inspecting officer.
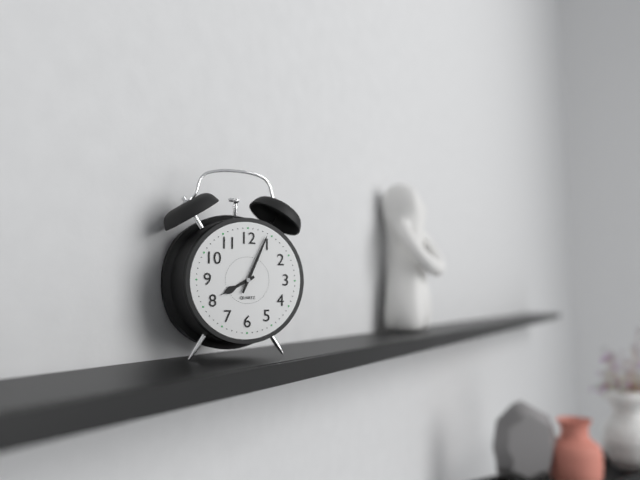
8:04
